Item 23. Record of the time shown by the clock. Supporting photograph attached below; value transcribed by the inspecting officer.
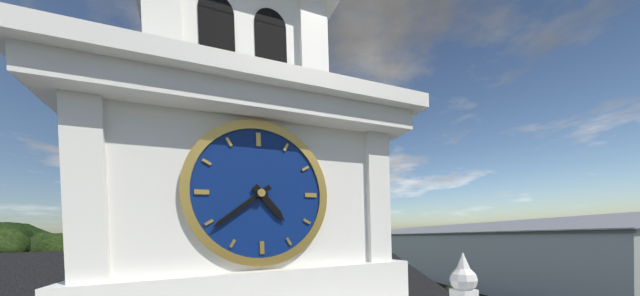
4:39
